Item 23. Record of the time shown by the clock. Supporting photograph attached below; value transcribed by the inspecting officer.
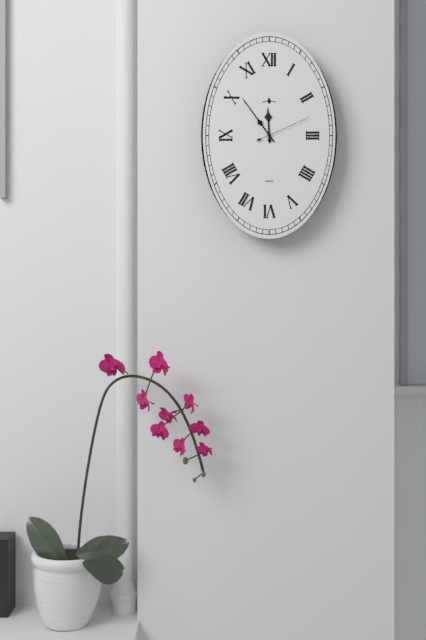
11:54:11
